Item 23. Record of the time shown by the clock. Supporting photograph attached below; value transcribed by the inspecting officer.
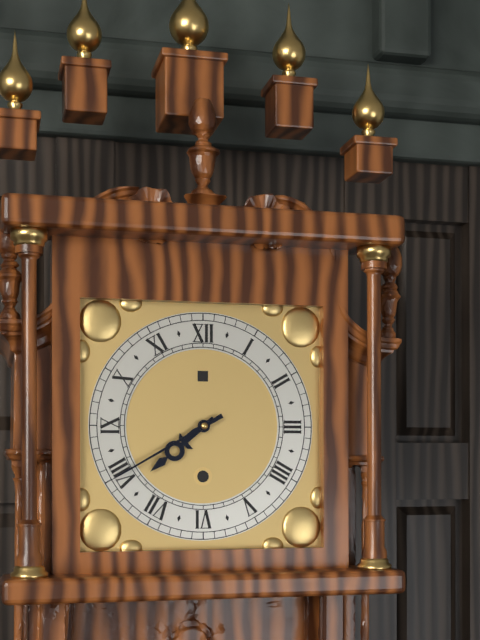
7:40
